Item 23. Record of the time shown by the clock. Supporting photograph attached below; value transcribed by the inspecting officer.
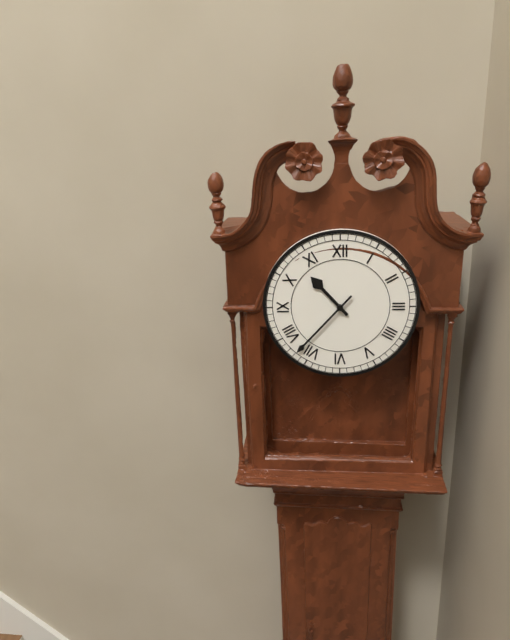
10:37
